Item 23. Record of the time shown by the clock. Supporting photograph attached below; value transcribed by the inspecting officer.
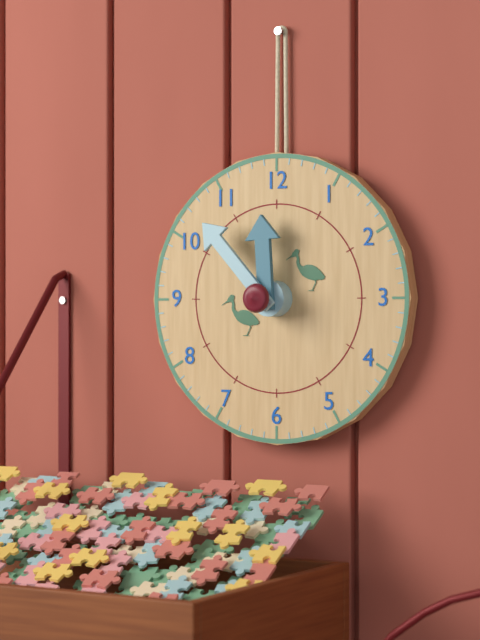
11:53
